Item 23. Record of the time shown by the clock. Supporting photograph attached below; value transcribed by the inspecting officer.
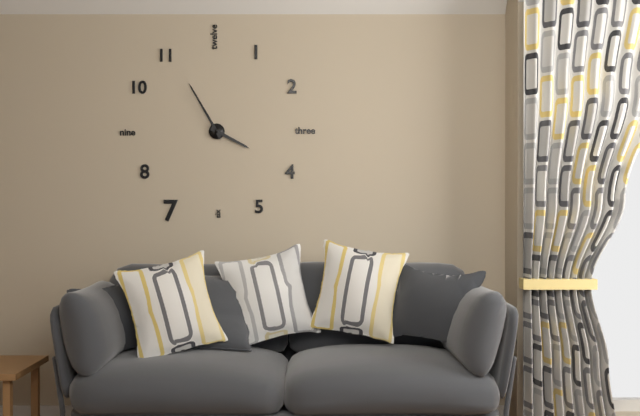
3:55
